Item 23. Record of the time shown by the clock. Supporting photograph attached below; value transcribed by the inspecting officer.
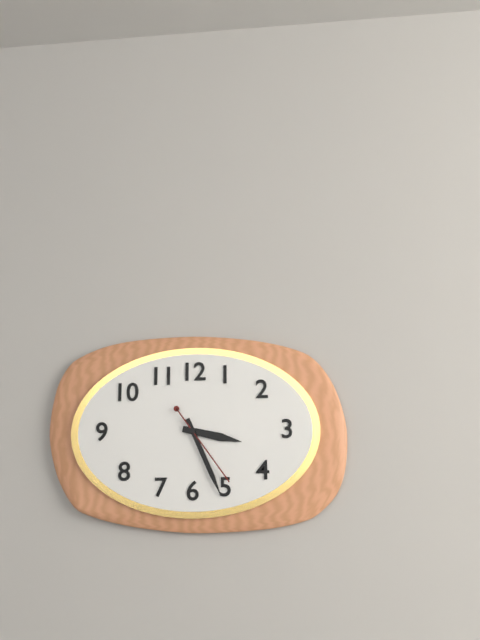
3:26:24
